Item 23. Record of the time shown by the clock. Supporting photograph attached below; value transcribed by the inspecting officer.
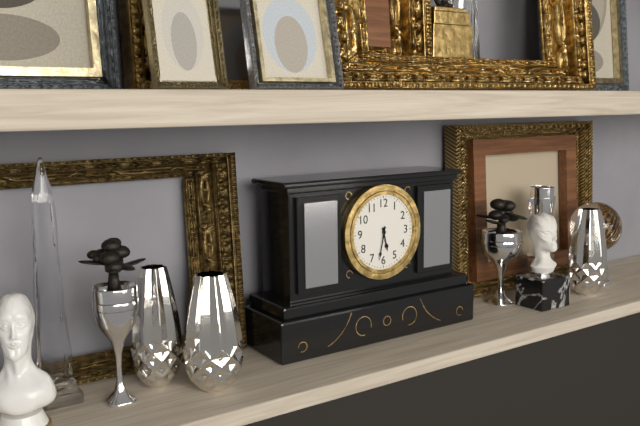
5:32
